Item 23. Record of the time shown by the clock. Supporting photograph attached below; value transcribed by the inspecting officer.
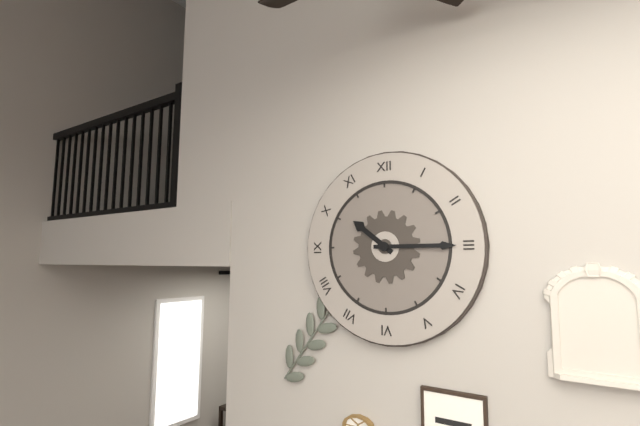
10:15
